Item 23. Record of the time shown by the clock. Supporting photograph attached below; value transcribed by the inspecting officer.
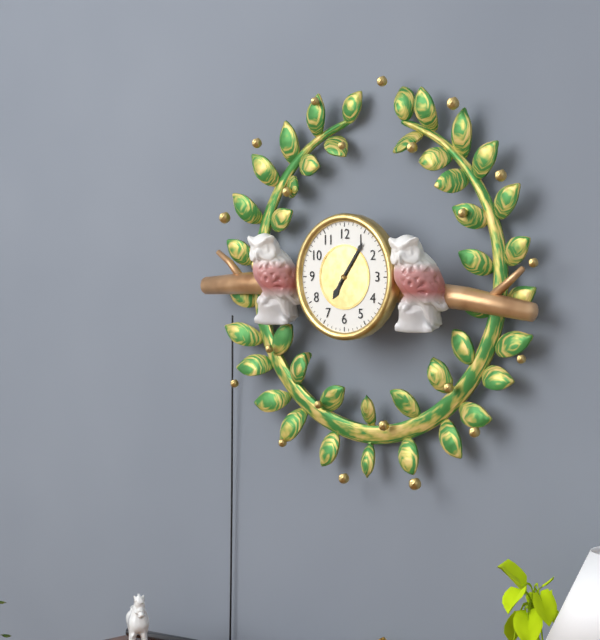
7:06
